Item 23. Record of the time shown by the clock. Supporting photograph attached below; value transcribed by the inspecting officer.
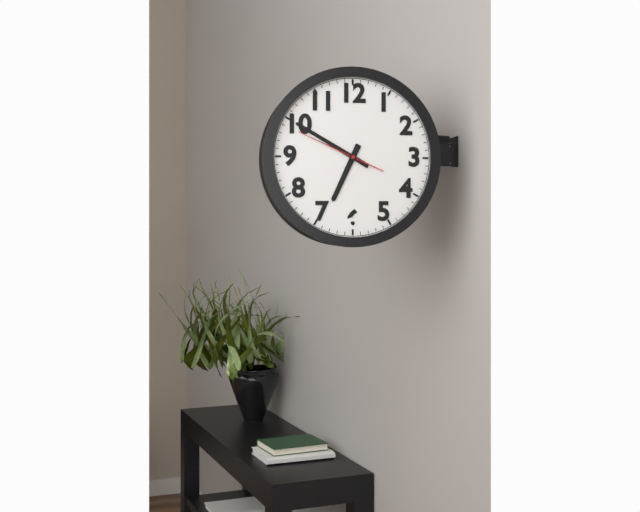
6:50:49
